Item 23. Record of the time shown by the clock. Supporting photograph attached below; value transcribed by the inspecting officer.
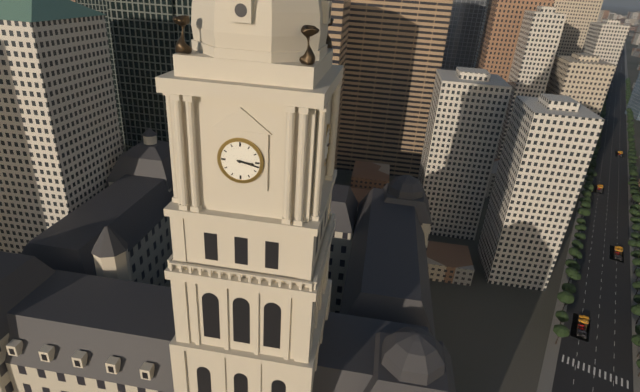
3:17
